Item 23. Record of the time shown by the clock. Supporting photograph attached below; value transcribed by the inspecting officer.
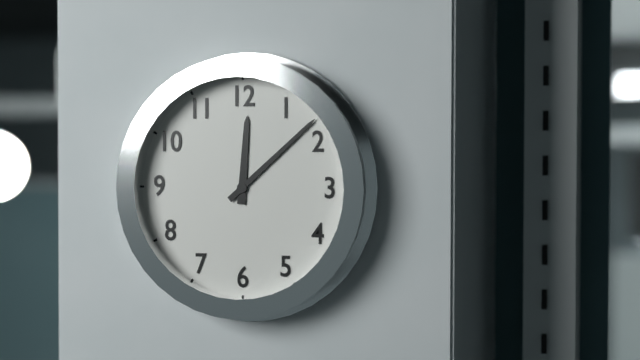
12:08
